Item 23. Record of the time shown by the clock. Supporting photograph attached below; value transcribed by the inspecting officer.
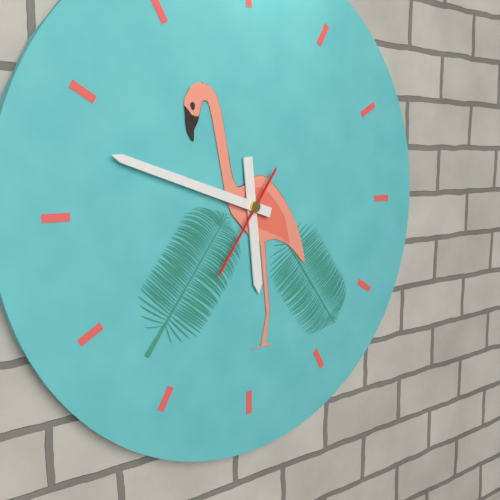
5:48:36
